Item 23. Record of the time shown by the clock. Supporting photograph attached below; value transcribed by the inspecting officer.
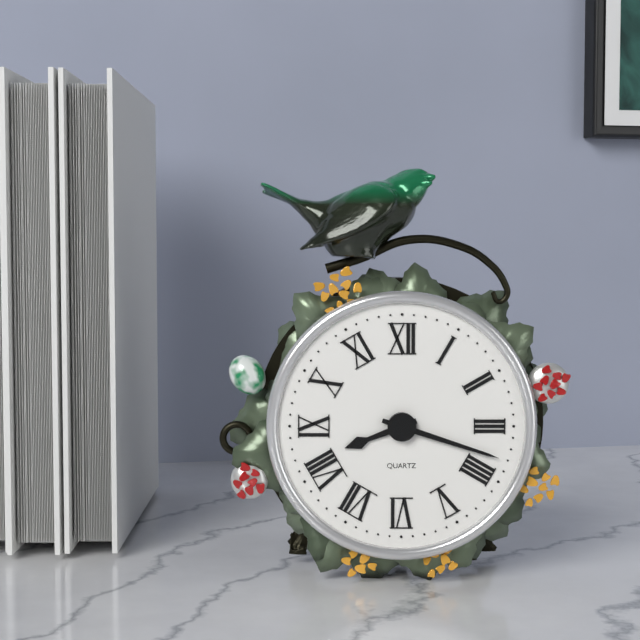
8:18
